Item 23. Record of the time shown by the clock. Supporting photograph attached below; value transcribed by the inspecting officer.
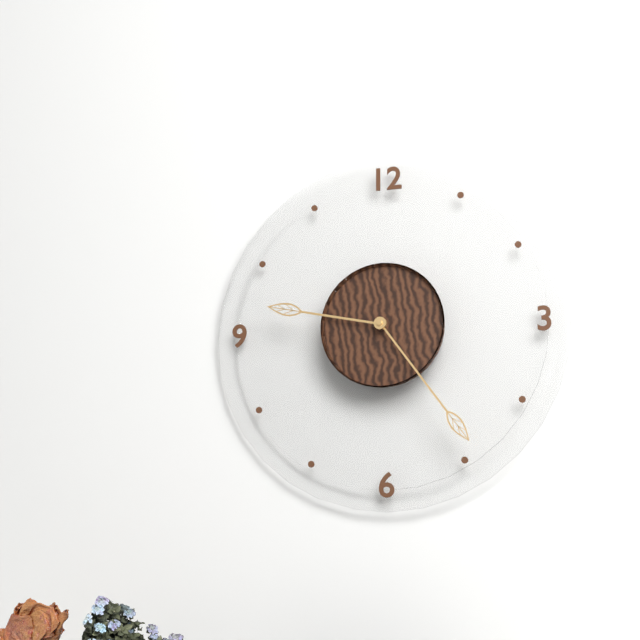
9:24
